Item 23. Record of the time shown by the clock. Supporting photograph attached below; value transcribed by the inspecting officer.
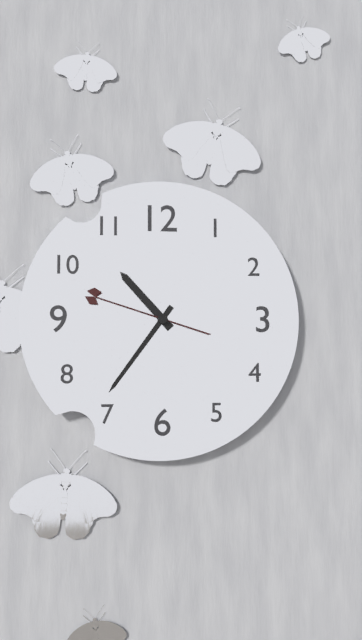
10:36:48
